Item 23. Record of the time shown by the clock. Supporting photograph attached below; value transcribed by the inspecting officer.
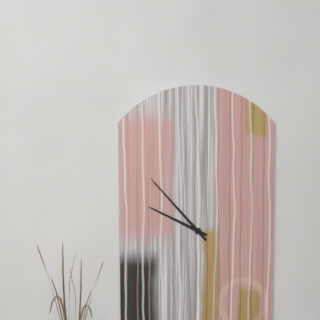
9:53
